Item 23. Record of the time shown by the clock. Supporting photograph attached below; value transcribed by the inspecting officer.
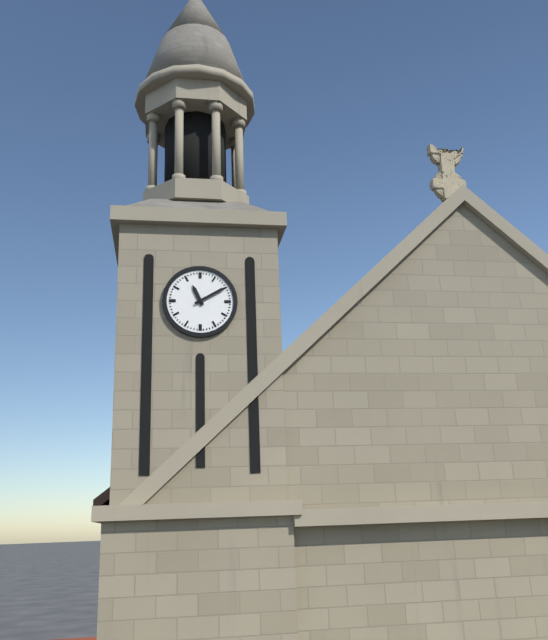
11:10
